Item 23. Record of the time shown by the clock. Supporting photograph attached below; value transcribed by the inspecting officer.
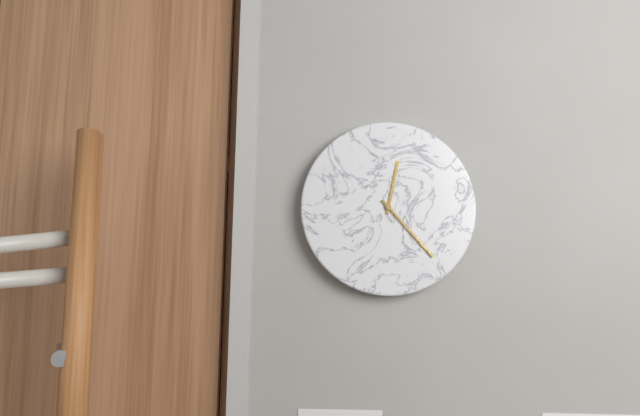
12:23
